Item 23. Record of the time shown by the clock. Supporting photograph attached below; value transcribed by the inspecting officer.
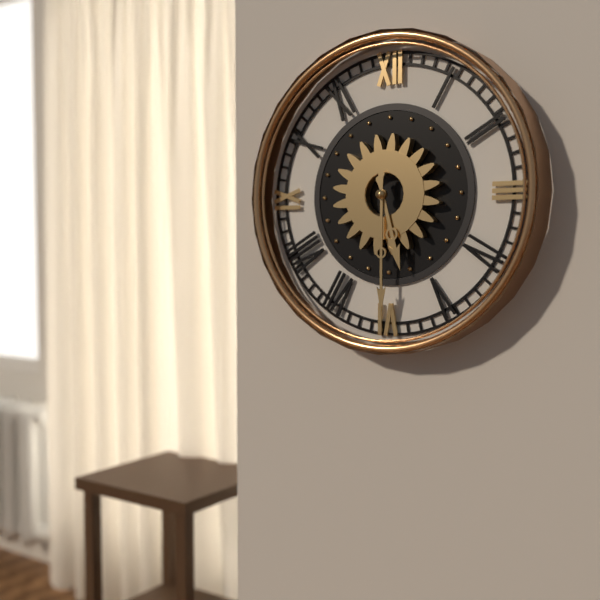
5:30
